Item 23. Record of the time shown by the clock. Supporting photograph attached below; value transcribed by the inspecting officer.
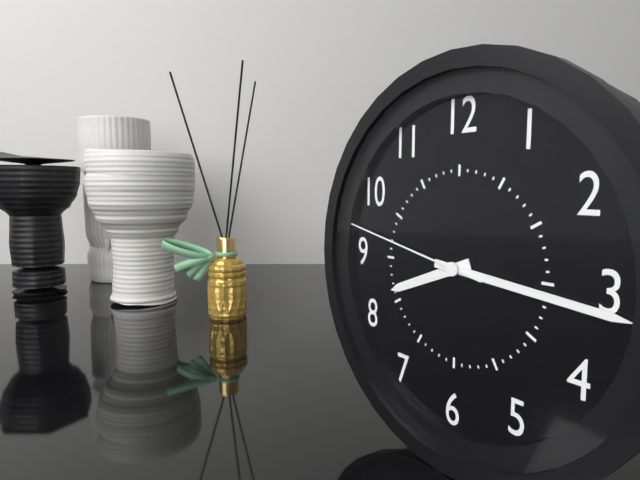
8:16:47
